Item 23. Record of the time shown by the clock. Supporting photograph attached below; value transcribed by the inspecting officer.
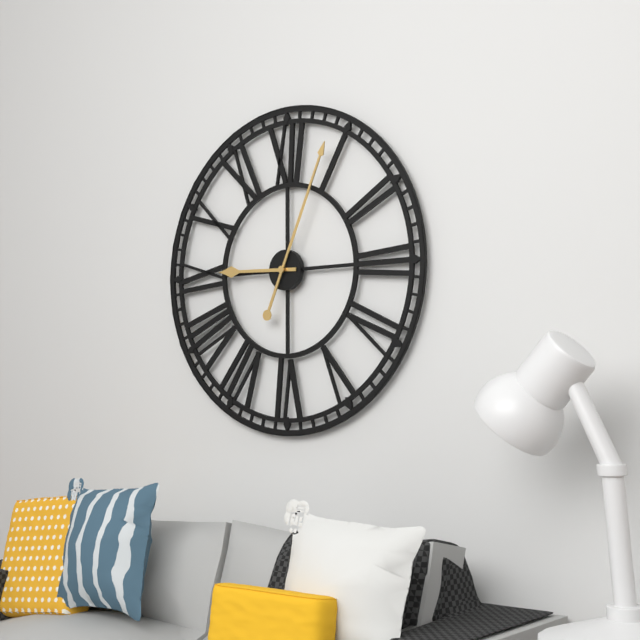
9:04
